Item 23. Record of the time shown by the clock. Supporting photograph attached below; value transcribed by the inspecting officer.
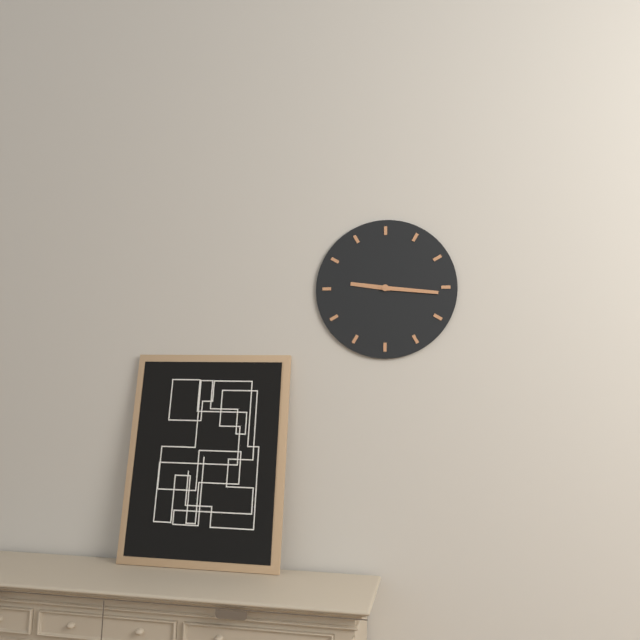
9:16
